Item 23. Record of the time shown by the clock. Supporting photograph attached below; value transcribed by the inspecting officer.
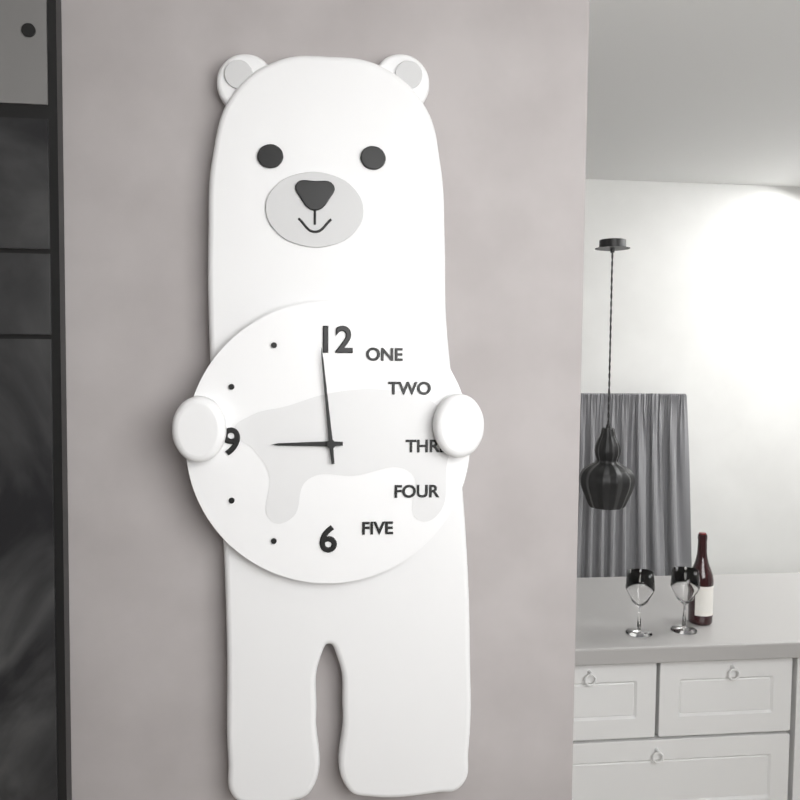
8:59
